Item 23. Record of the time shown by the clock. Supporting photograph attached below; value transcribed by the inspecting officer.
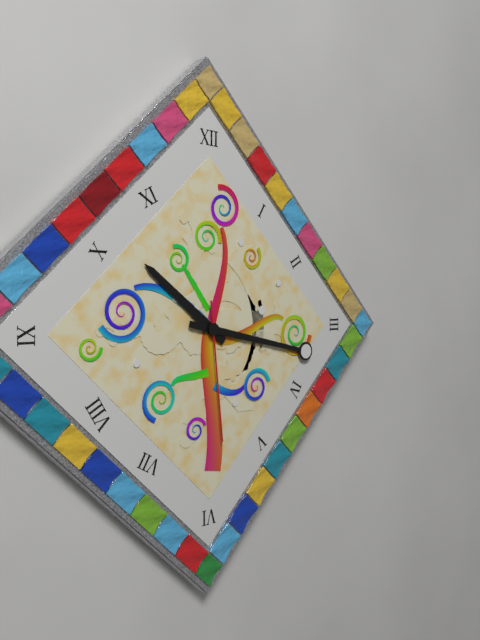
10:17:29
